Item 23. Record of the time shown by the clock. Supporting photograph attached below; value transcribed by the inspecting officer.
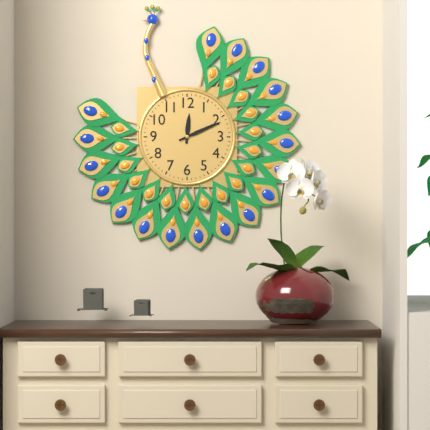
12:11
